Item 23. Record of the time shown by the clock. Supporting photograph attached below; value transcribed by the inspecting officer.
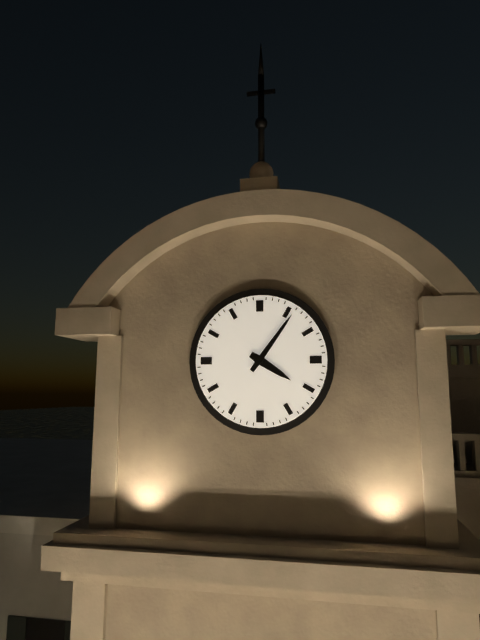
4:06
